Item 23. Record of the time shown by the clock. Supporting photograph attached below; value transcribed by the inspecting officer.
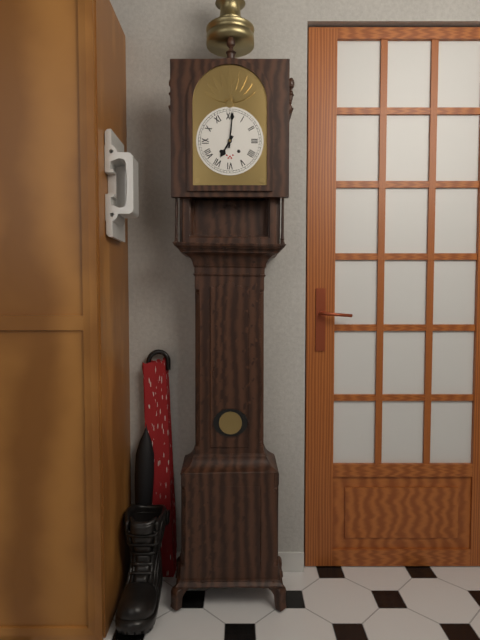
7:01
